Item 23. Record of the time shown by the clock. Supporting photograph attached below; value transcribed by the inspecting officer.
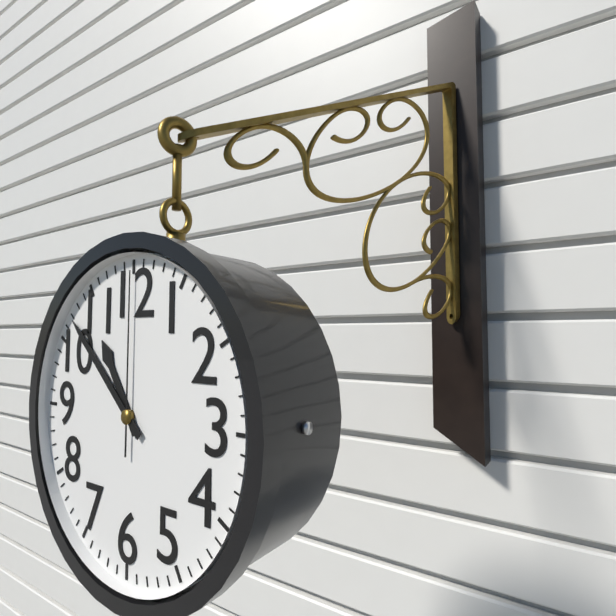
10:52:00
